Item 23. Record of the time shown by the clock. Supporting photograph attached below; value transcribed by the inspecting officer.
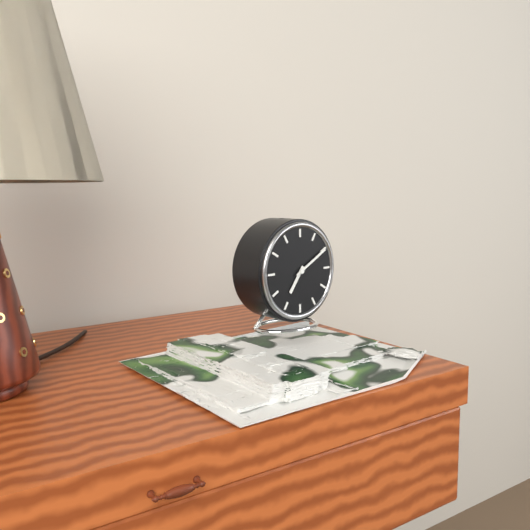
7:10
